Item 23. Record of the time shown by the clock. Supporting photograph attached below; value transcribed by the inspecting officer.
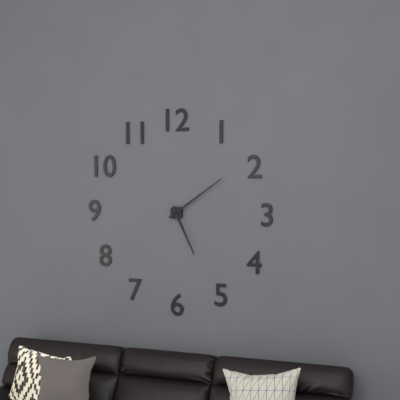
5:09
